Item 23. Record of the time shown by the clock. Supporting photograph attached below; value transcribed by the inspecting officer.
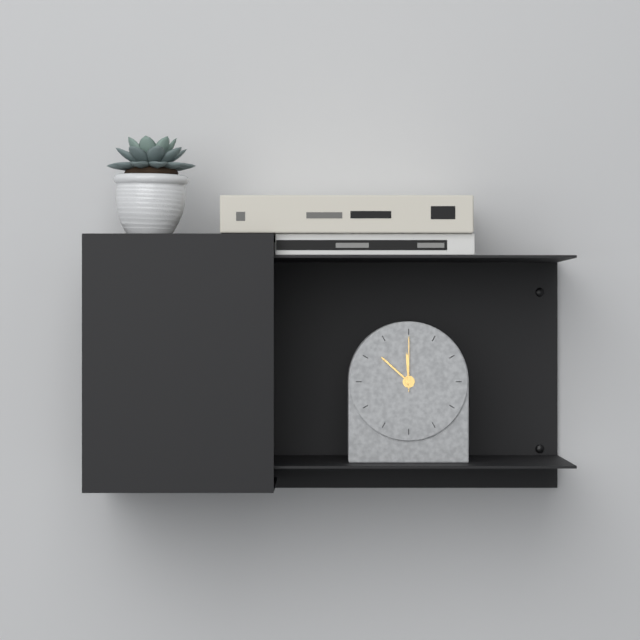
11:52:00
